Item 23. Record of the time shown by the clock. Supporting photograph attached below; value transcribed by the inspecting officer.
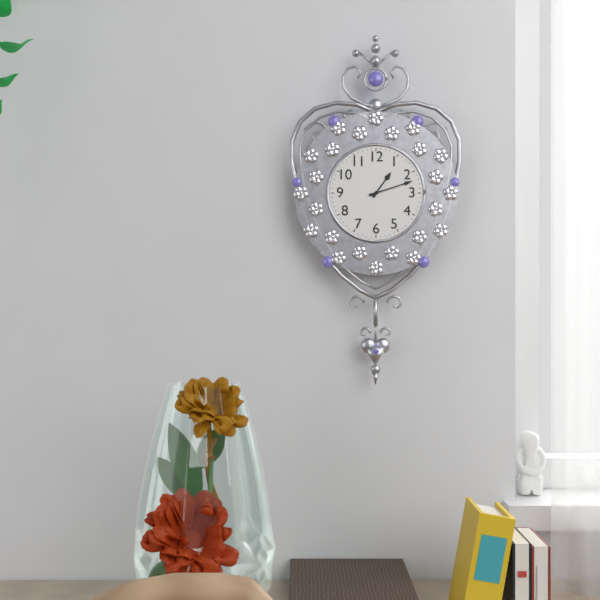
1:12
